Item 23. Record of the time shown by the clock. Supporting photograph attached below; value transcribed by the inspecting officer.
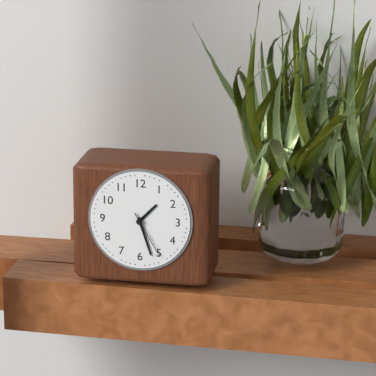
1:27:25
